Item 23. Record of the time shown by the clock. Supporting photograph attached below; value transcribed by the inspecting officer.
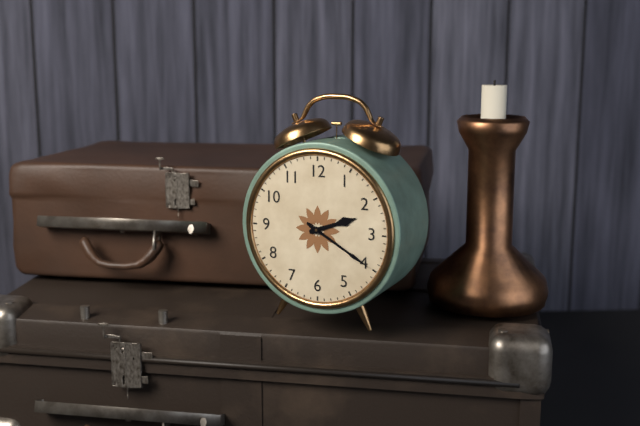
2:20
